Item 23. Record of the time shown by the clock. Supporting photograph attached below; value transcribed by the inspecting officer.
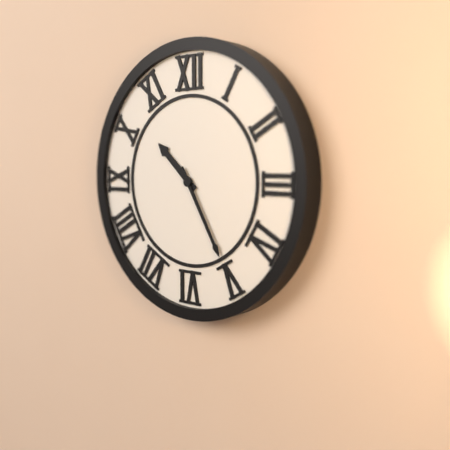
10:25
